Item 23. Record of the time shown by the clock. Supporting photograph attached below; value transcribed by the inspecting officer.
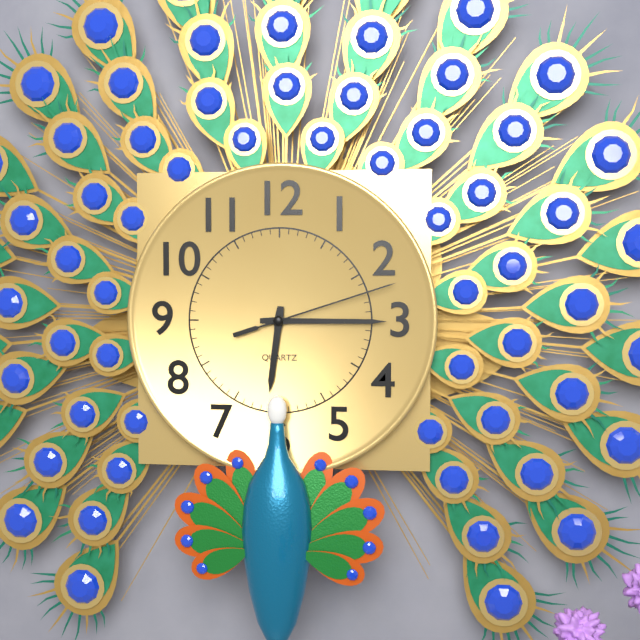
6:15:12
